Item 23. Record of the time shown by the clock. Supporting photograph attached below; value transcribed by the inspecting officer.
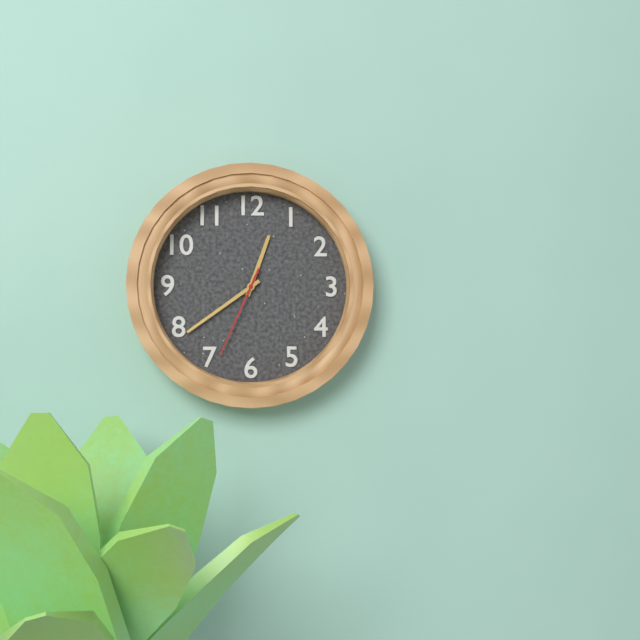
12:39:34
